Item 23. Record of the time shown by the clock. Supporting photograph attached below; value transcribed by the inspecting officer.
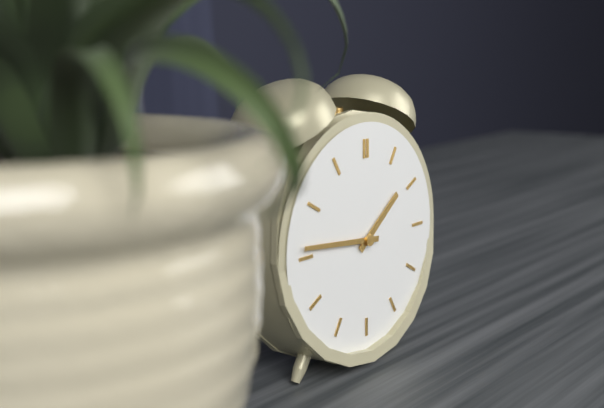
1:46
